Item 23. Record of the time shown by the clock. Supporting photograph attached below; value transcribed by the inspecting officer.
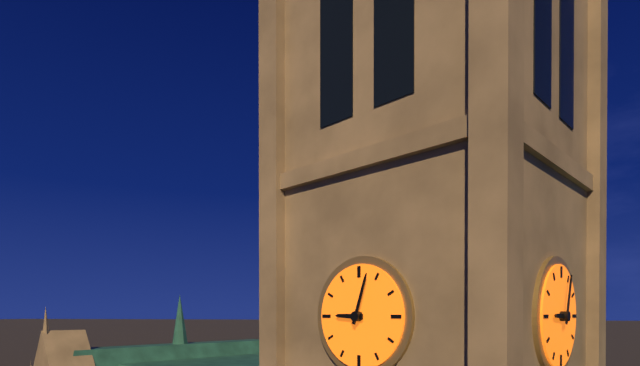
9:03
